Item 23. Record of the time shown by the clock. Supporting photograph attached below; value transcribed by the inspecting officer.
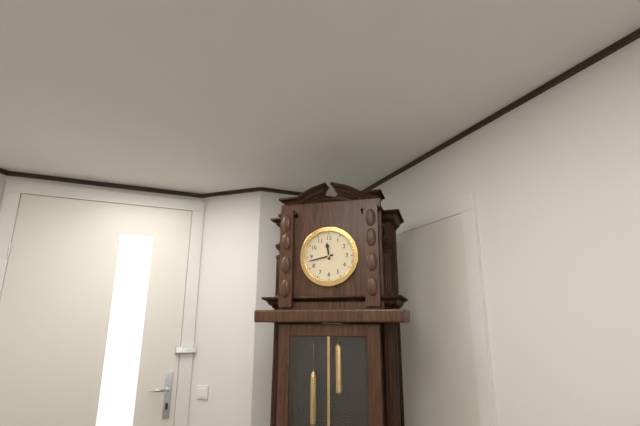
11:43
